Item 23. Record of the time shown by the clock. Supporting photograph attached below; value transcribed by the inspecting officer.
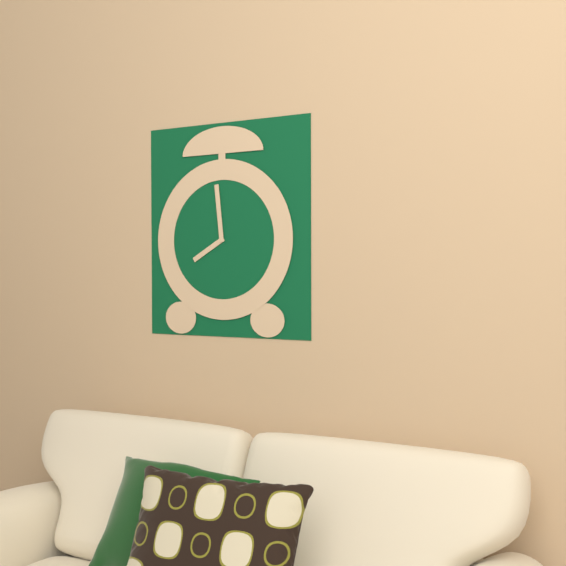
7:59
